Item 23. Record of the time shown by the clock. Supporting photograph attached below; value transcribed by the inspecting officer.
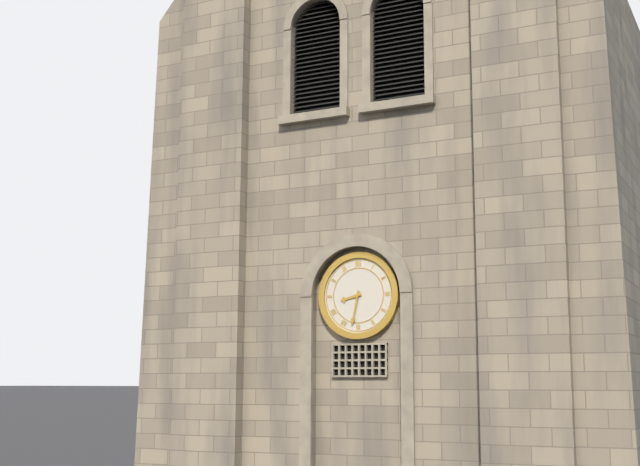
8:32
